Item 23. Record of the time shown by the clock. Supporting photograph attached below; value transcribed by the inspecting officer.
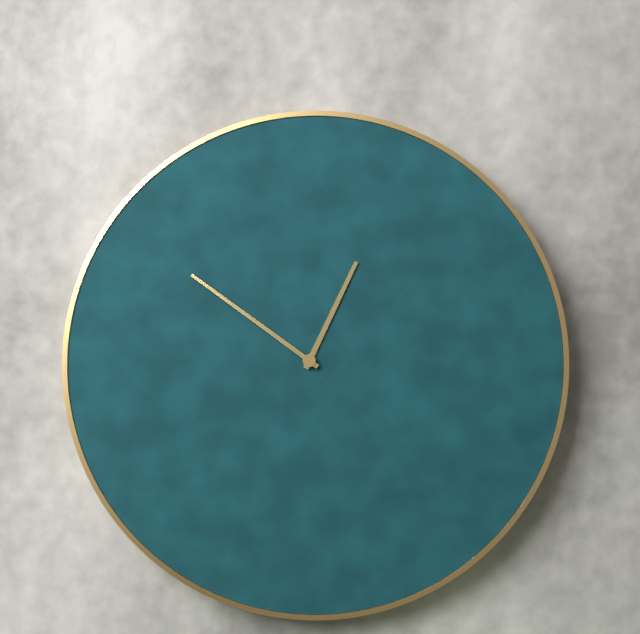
12:51
